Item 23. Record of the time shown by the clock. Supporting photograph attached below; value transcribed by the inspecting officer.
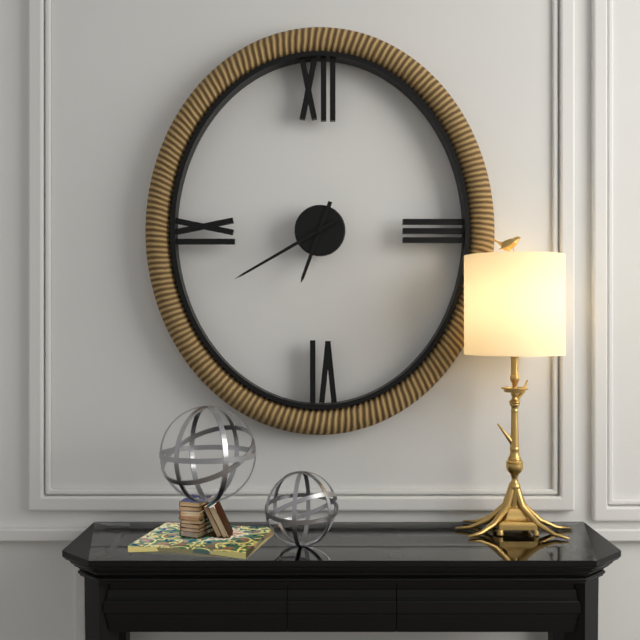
6:40
